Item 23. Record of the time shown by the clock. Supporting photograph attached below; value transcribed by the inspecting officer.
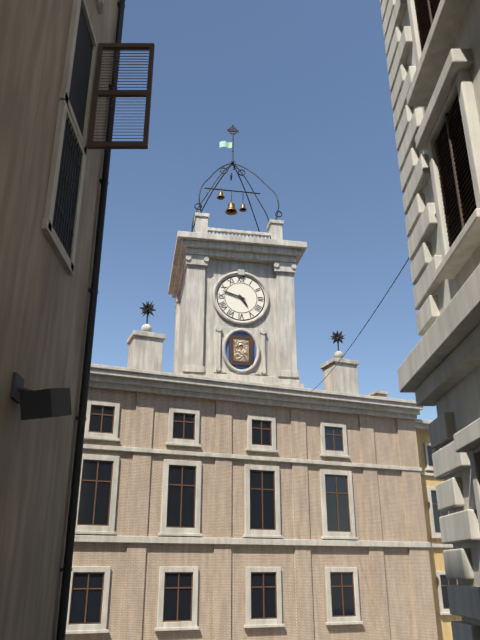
4:48
